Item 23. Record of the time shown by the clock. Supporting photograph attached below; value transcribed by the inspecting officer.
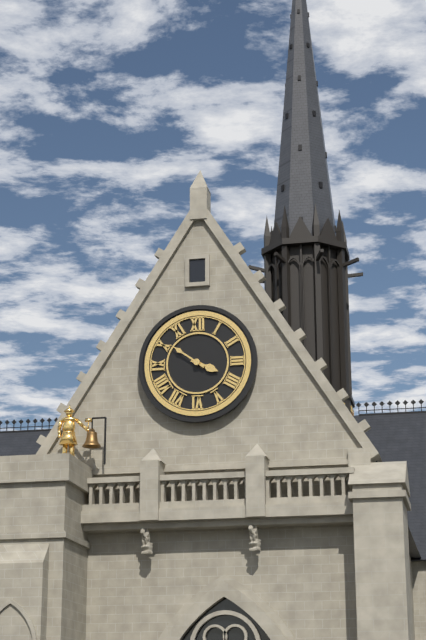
3:51
